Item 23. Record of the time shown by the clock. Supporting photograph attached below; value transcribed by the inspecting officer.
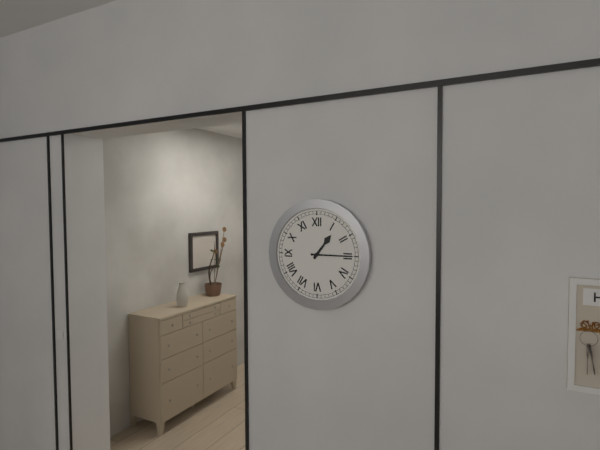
1:15
